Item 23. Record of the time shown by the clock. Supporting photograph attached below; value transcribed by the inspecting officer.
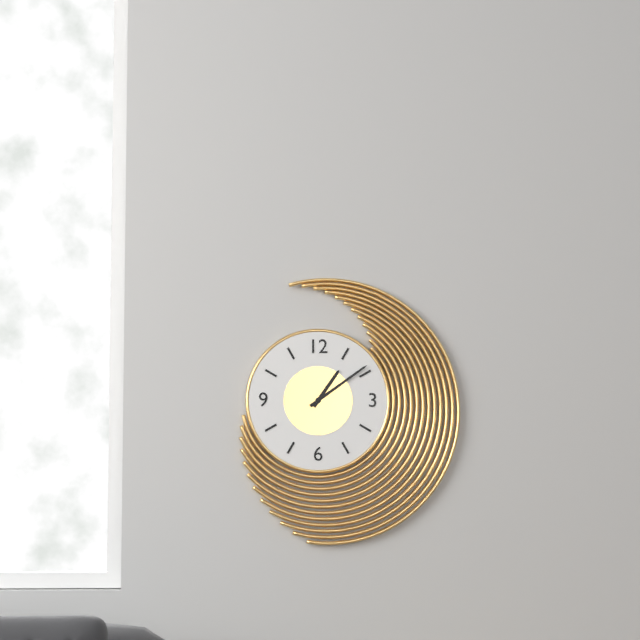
1:09
